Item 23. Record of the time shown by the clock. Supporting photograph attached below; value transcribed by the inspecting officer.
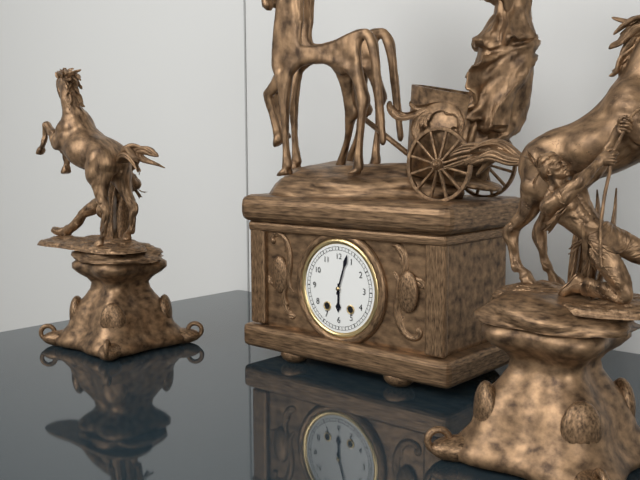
6:03
